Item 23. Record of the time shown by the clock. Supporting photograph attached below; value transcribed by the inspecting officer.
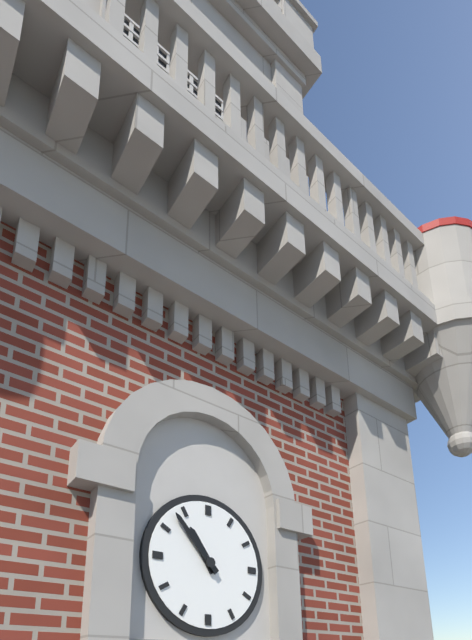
10:53
